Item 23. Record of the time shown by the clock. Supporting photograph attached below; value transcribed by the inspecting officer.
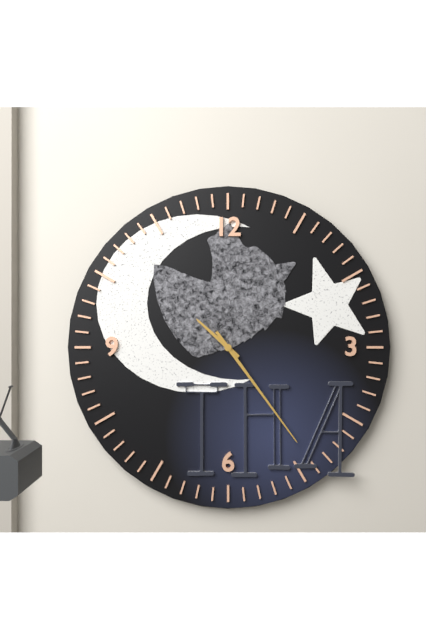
10:24
